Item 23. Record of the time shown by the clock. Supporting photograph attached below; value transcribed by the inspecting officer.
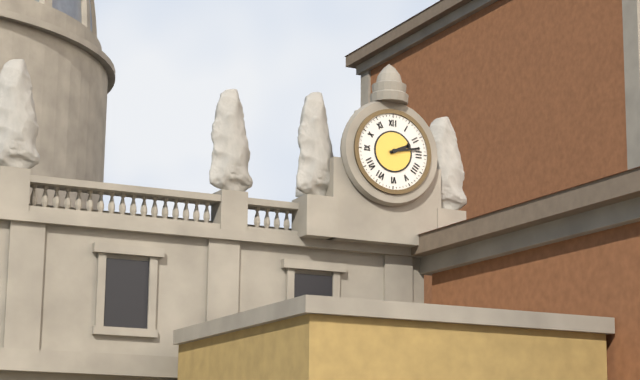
2:13
